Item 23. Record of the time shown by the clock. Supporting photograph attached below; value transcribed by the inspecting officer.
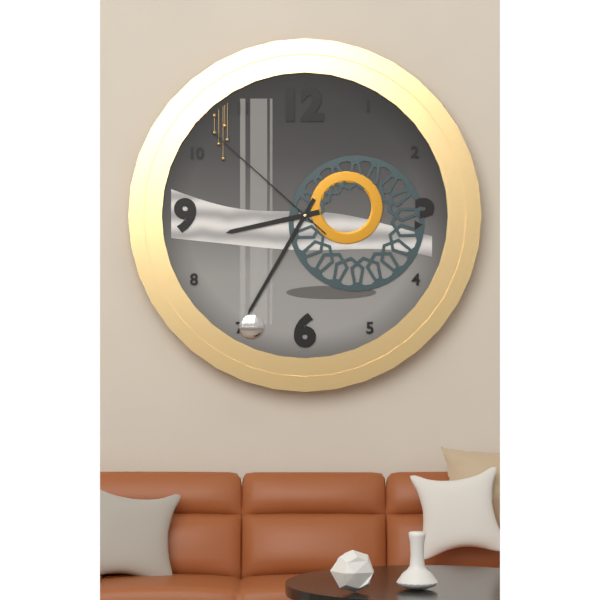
8:35:52
